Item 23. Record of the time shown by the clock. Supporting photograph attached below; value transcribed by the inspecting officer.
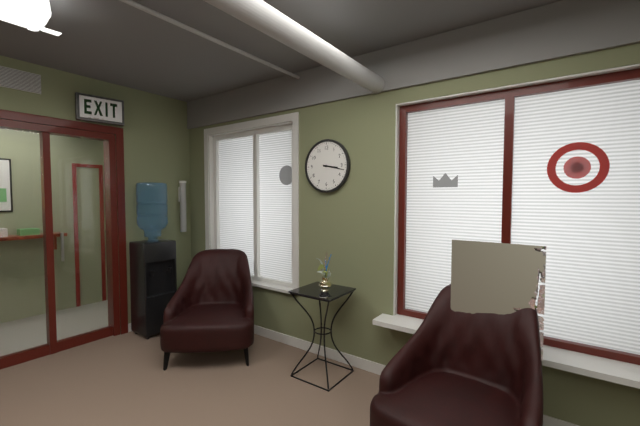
3:17
